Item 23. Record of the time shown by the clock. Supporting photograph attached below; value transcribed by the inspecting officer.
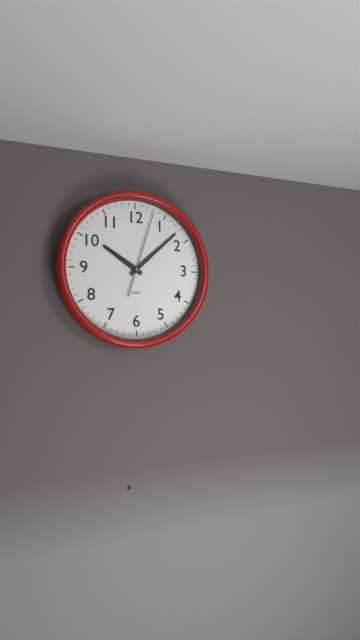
10:08:03
